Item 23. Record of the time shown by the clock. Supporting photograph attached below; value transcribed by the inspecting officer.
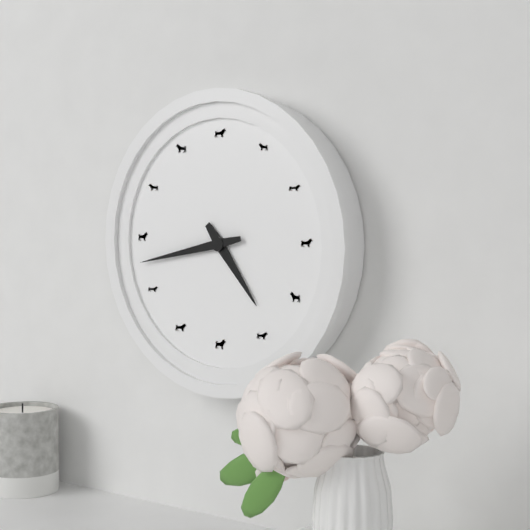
4:43
